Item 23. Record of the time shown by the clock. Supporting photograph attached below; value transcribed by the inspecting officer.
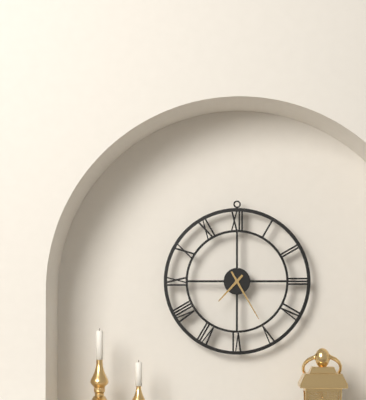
7:25
